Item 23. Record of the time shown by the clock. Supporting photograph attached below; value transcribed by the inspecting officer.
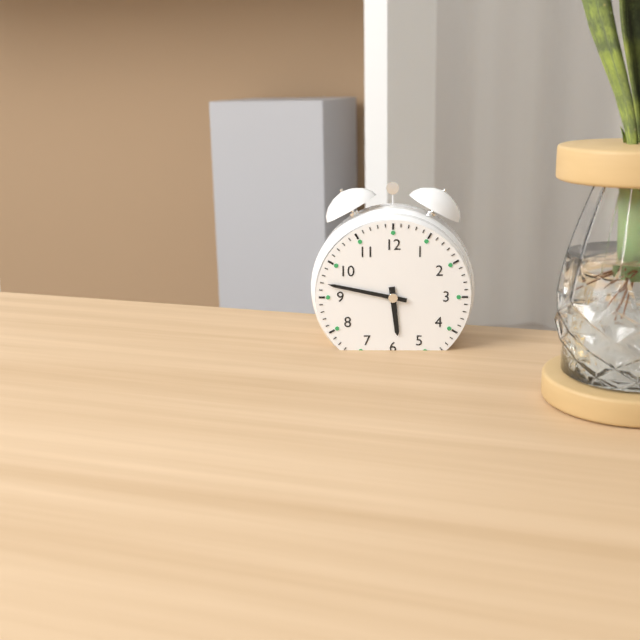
5:47
